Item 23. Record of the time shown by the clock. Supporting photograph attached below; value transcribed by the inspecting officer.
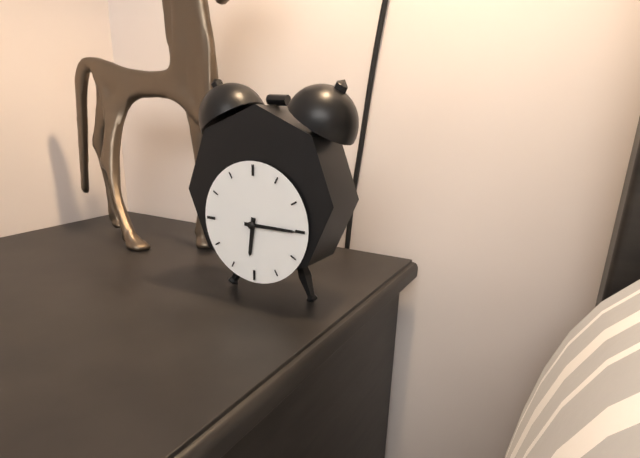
6:15
